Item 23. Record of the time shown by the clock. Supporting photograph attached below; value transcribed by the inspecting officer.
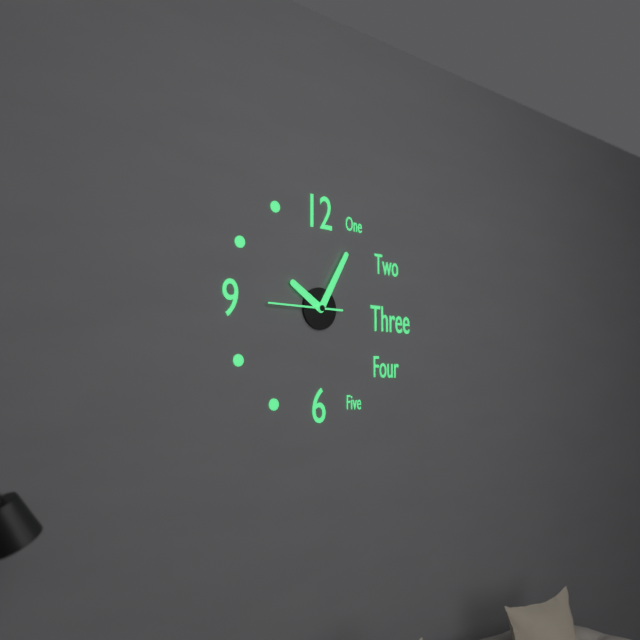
10:05:45
